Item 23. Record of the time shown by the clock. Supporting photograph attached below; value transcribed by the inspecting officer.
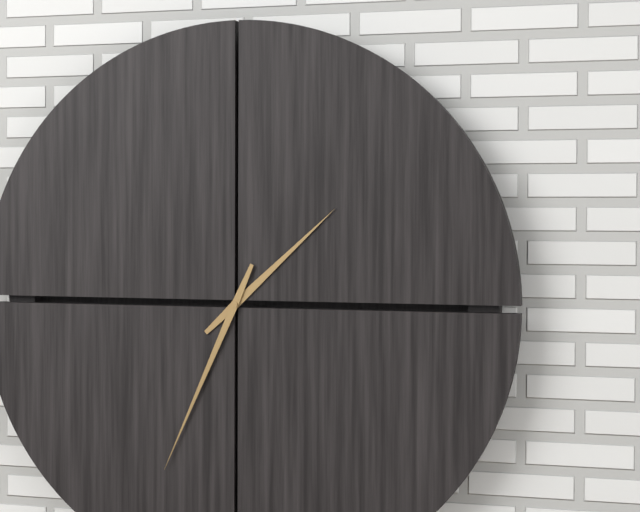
1:34
